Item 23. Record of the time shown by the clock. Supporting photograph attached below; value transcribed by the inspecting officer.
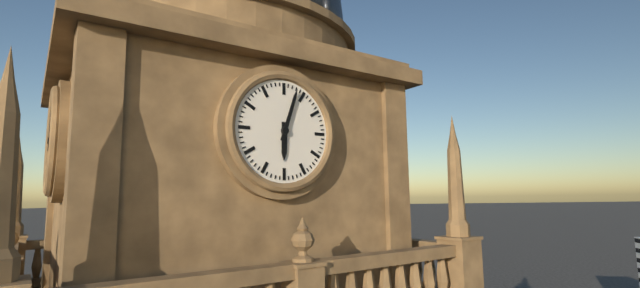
6:03
